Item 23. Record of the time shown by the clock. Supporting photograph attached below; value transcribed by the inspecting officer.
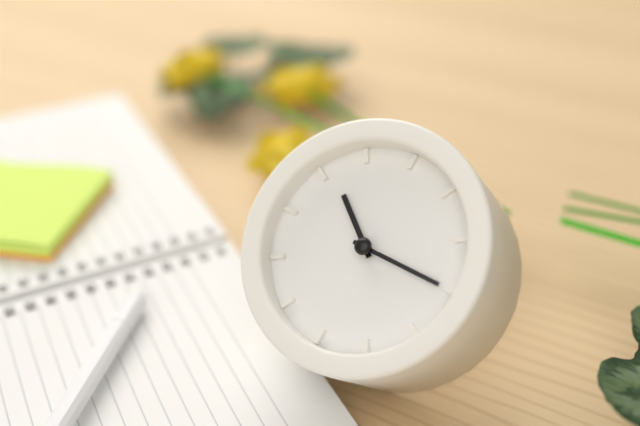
10:15
